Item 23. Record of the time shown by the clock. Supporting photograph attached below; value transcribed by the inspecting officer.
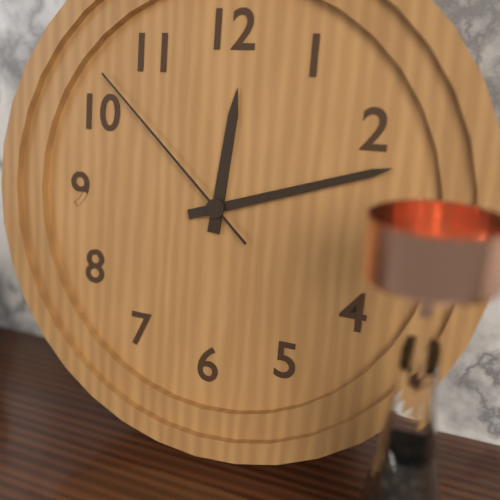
12:12:52
